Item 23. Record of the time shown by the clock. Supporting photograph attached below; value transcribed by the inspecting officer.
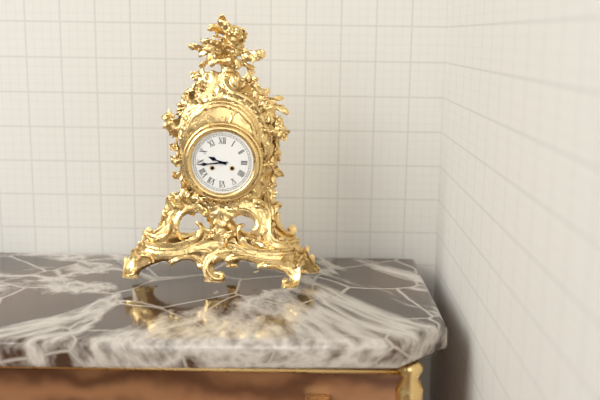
9:44
